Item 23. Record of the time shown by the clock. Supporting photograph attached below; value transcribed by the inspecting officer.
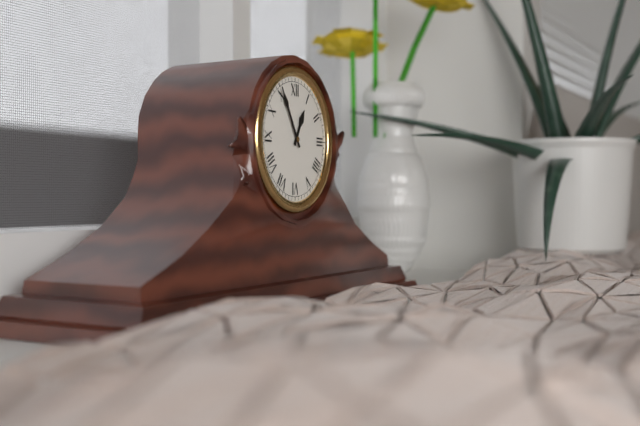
12:55
